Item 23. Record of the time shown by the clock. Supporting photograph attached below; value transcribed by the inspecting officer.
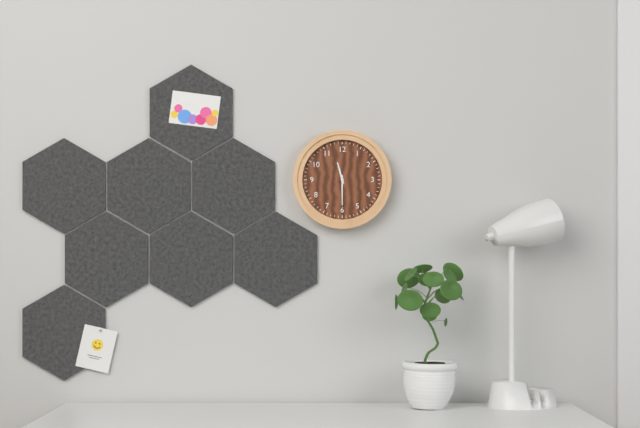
11:30
